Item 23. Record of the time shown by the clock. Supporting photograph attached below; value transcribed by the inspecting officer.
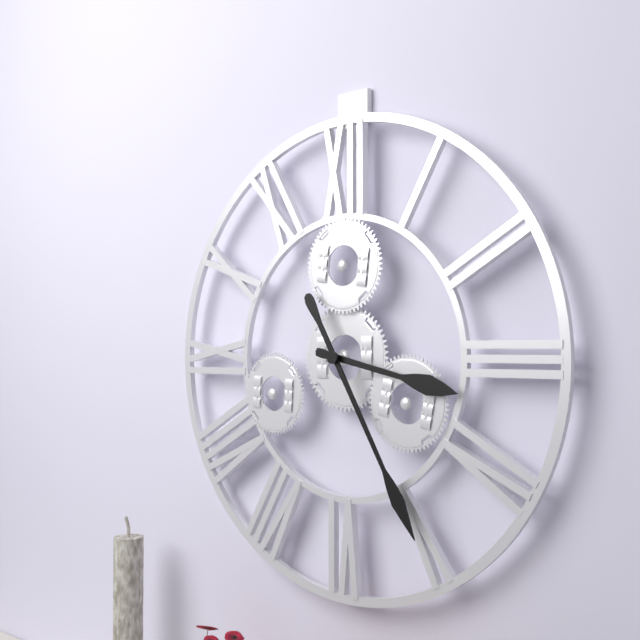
3:25
